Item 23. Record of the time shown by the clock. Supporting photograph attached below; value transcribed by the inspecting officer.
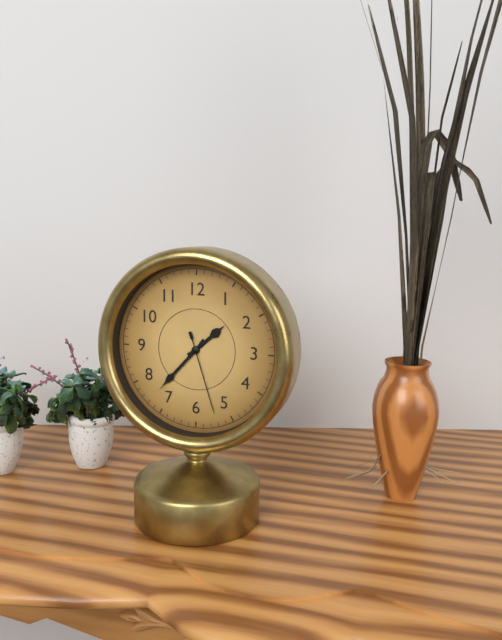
1:37:27
